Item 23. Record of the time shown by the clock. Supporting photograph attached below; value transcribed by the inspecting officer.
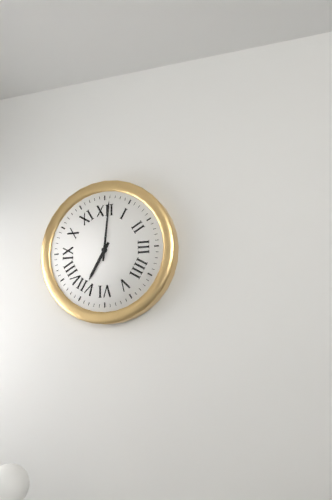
7:01
